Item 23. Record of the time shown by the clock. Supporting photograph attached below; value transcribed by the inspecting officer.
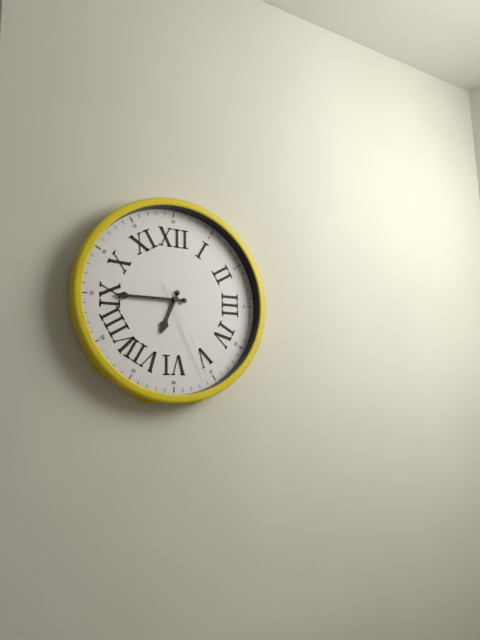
6:45:26
